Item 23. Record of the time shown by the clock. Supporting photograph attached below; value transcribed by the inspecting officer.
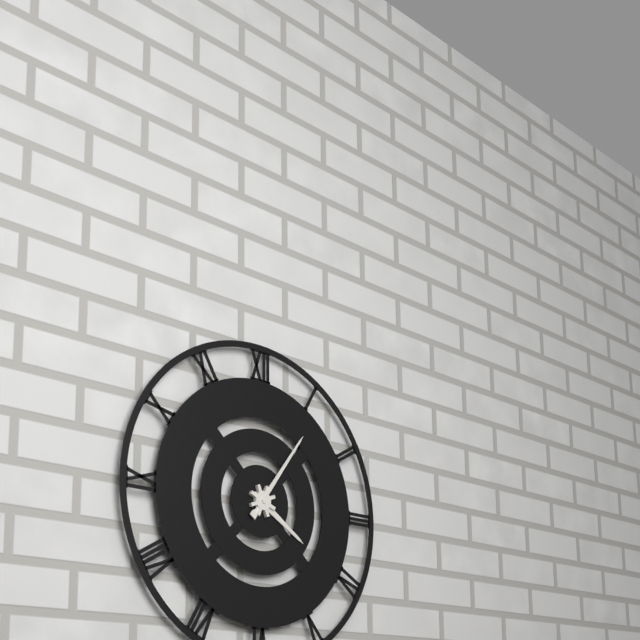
4:06
